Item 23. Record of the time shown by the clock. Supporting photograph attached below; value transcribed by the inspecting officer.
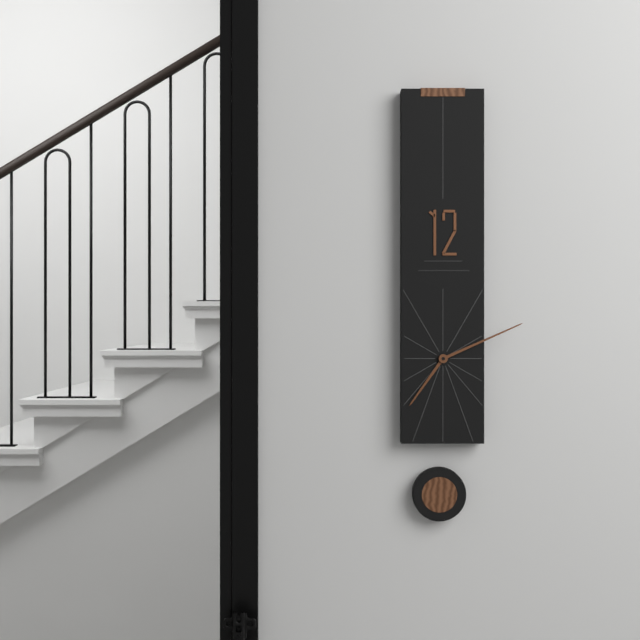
7:11
